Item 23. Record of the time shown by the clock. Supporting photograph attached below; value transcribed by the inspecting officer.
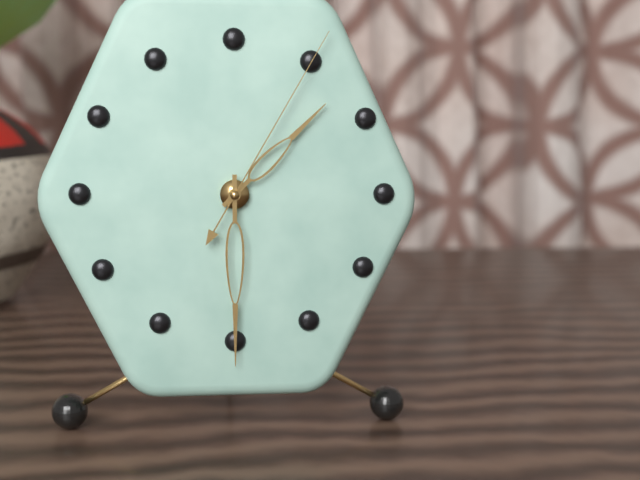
1:30:05
